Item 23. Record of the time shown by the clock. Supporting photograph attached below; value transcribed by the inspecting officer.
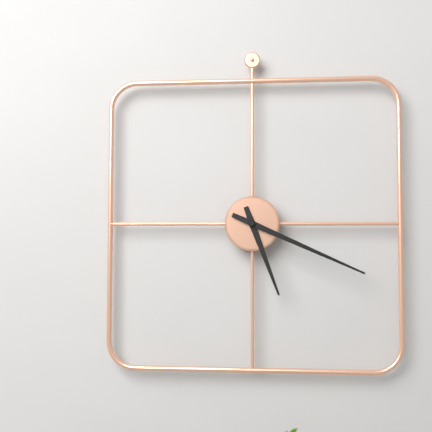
5:19
